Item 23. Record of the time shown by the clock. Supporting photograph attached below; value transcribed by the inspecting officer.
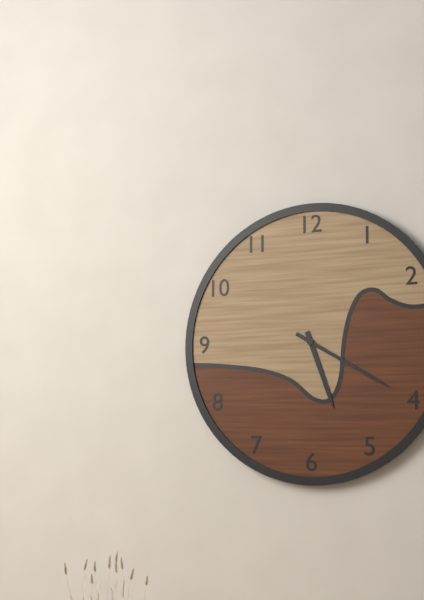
5:20
